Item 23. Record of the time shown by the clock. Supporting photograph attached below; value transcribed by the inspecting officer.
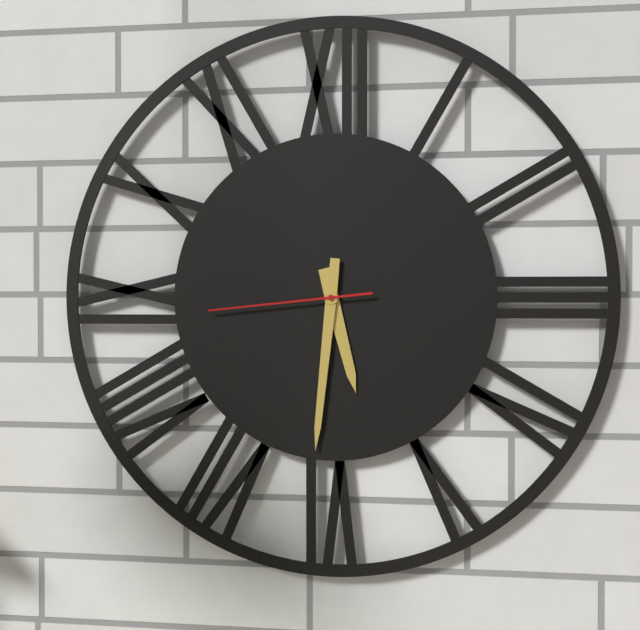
5:31:44
